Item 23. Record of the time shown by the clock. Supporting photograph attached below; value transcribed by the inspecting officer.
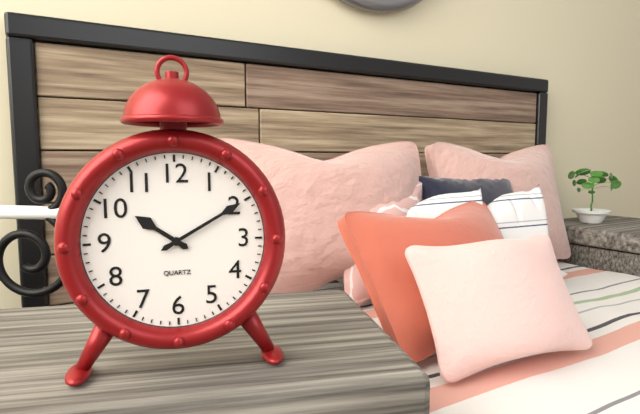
10:10
